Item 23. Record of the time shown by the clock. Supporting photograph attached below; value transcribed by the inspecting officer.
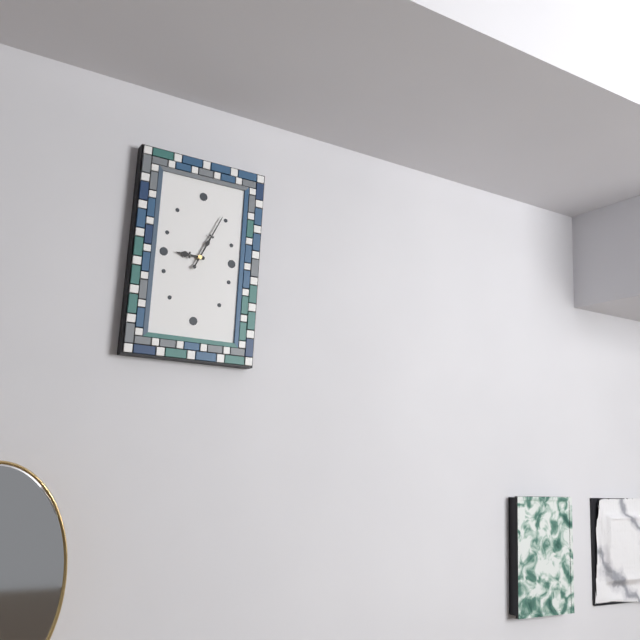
9:04
